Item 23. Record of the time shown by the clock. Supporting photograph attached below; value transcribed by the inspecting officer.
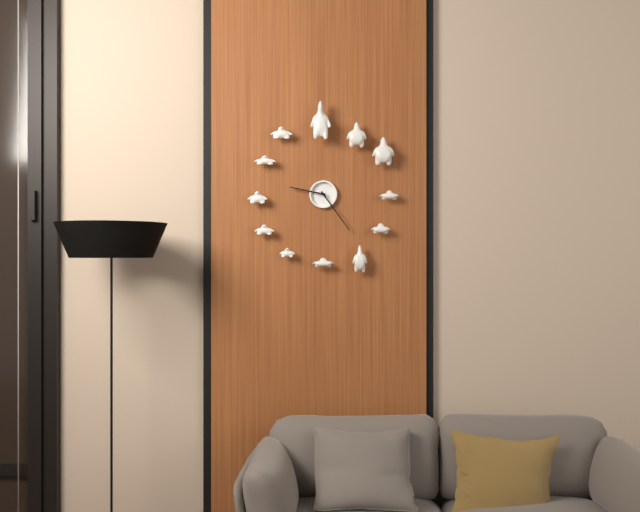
9:24
